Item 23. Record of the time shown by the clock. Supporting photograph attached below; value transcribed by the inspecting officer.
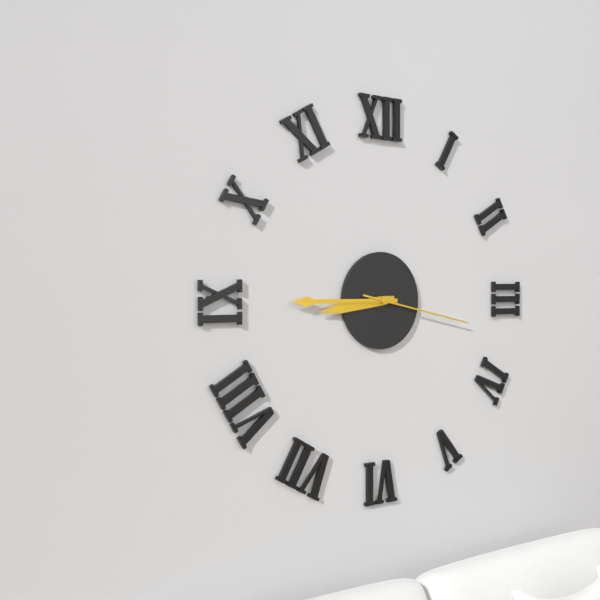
8:45:17
